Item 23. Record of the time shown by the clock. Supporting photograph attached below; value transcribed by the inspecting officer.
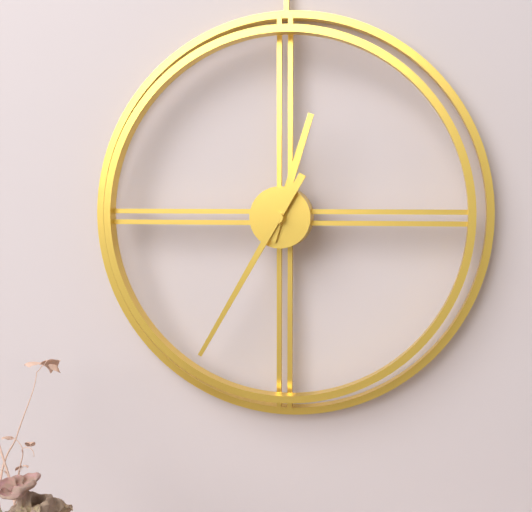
12:35
